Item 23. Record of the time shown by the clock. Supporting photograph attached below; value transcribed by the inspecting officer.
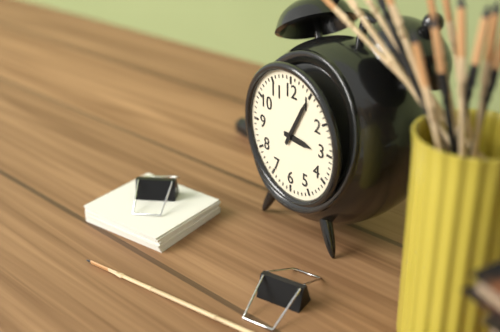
3:05
